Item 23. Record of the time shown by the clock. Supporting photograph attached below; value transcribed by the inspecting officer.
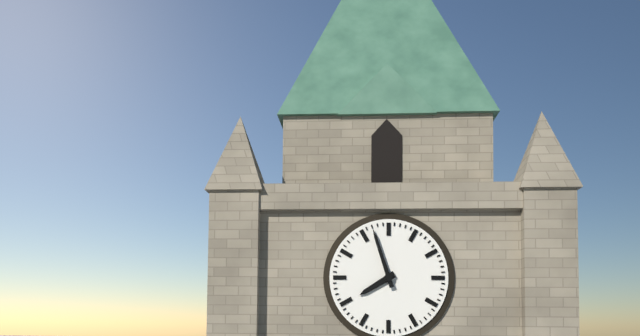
7:57
